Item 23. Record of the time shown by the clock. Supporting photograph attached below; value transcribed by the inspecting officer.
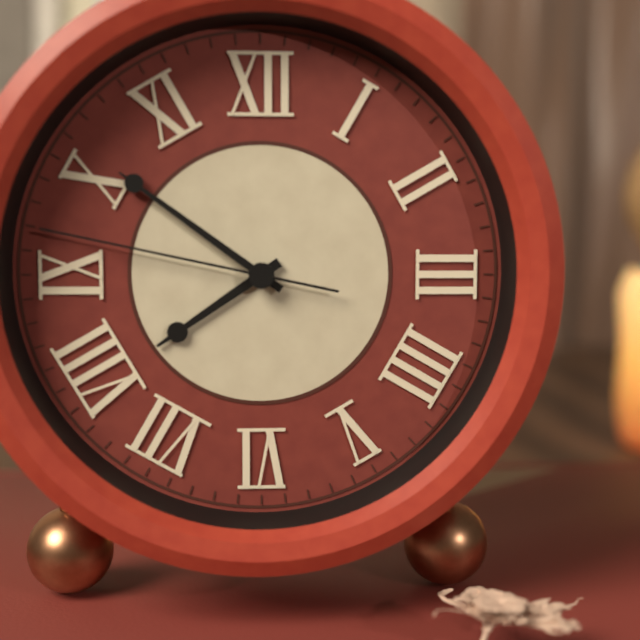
7:51:47
